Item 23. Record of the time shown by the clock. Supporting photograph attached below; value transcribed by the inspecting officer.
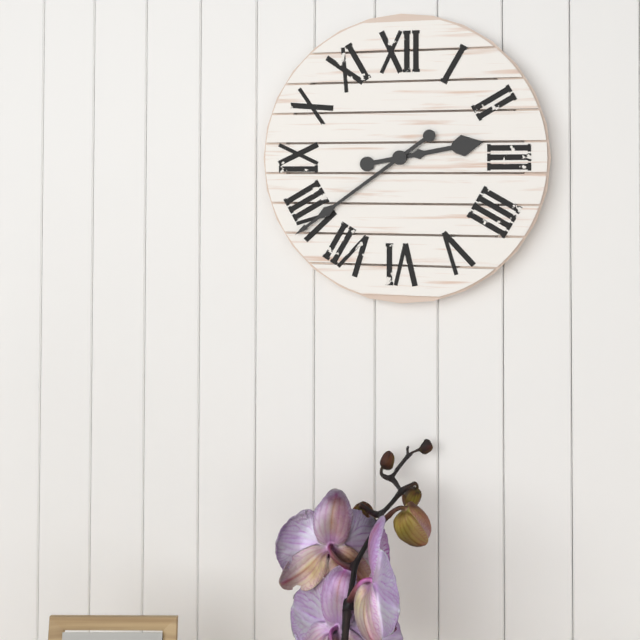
2:39
